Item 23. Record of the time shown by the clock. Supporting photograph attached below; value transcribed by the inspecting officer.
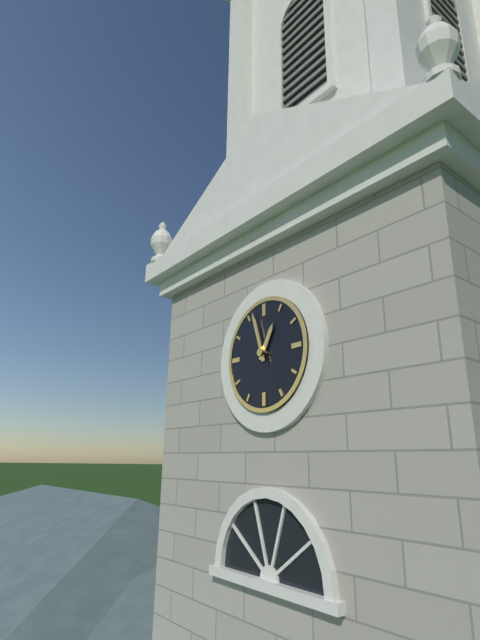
12:57
